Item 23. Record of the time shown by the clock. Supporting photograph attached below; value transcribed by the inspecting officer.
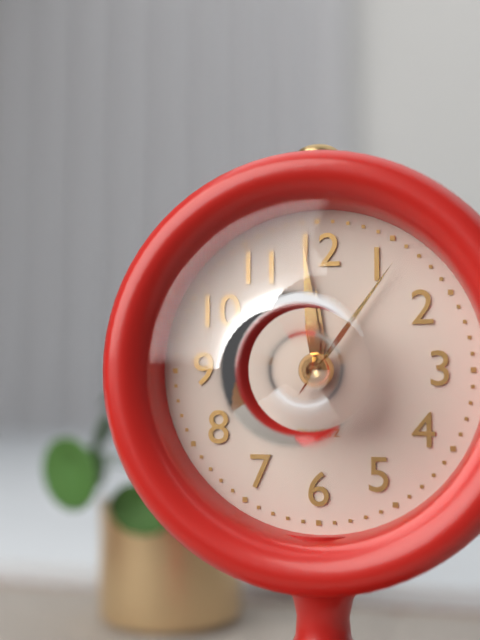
11:59:06
